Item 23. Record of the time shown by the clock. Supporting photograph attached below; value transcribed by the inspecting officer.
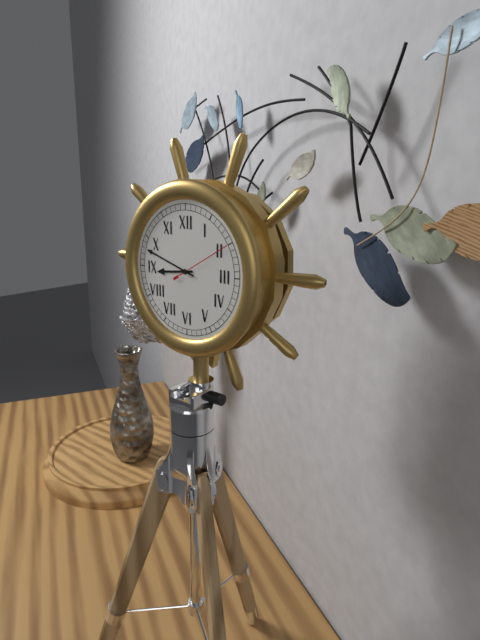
8:48:10
